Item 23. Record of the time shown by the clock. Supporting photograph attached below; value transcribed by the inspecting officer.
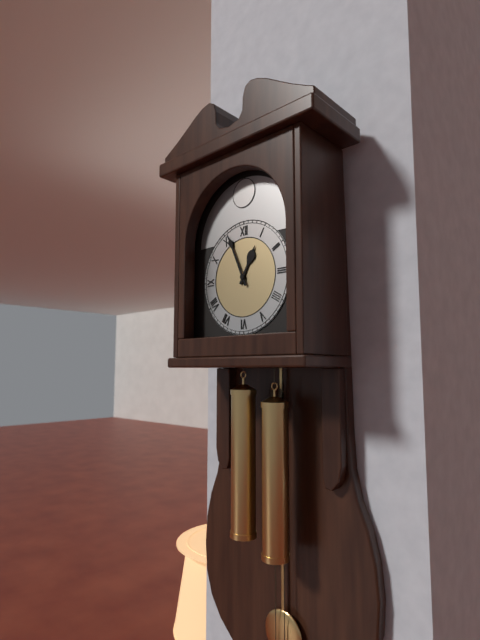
12:56
